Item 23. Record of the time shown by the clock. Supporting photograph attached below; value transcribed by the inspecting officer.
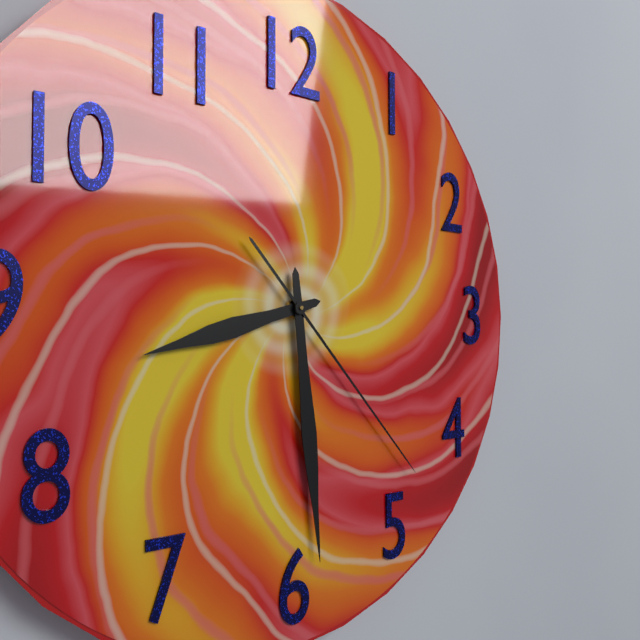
8:29:23
